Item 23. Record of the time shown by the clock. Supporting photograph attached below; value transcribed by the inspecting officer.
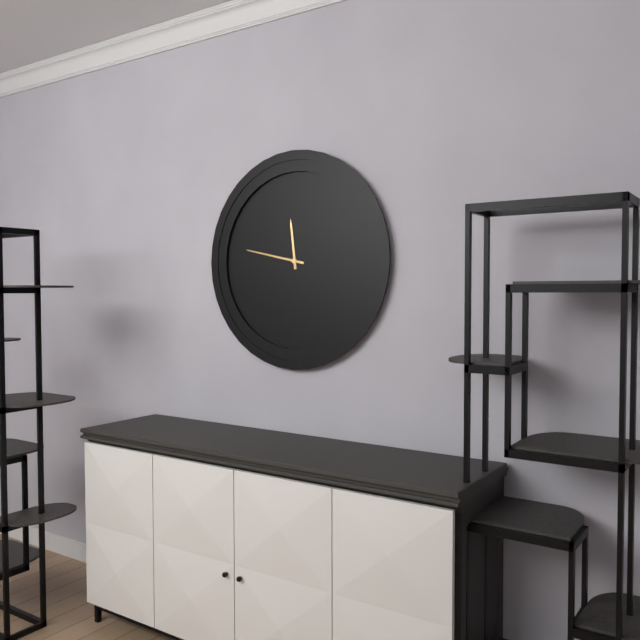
11:47
